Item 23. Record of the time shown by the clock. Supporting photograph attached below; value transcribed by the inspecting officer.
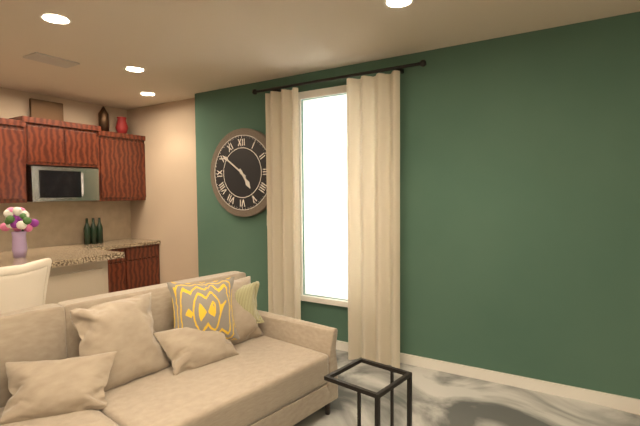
4:51
